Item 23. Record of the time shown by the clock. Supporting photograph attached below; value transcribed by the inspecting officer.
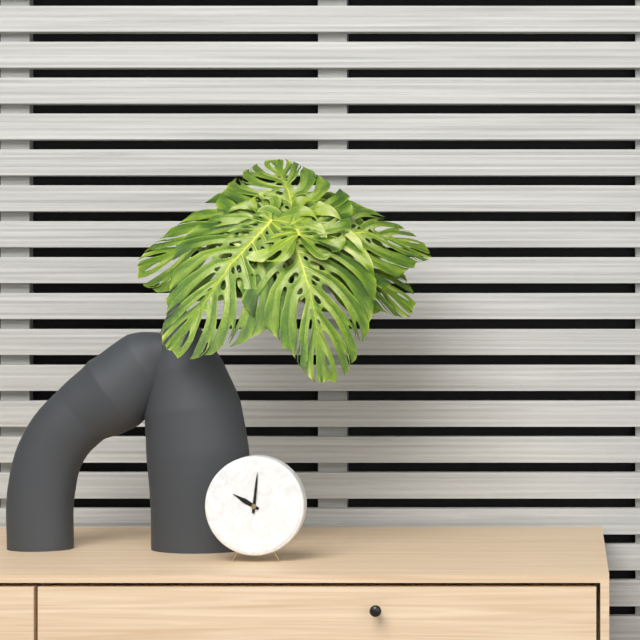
10:01
